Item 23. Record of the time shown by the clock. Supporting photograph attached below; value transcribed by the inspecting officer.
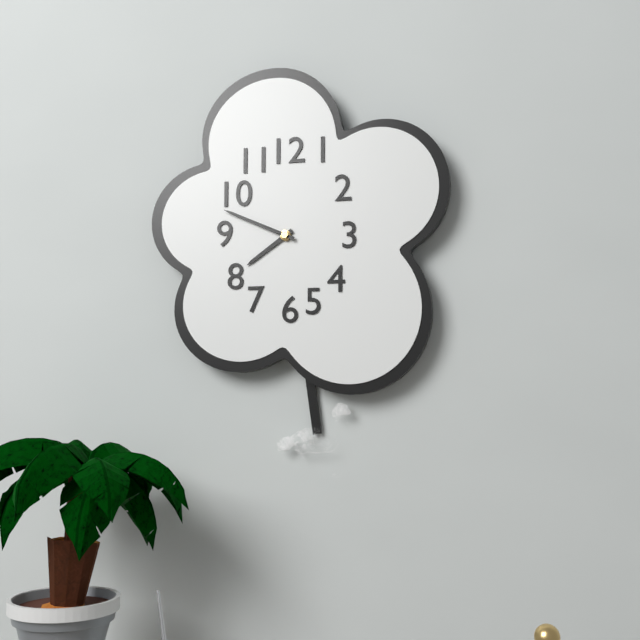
7:49
